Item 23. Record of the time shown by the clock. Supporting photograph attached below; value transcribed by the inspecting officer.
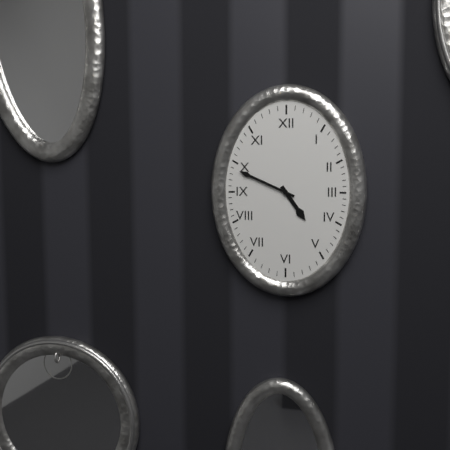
4:49
